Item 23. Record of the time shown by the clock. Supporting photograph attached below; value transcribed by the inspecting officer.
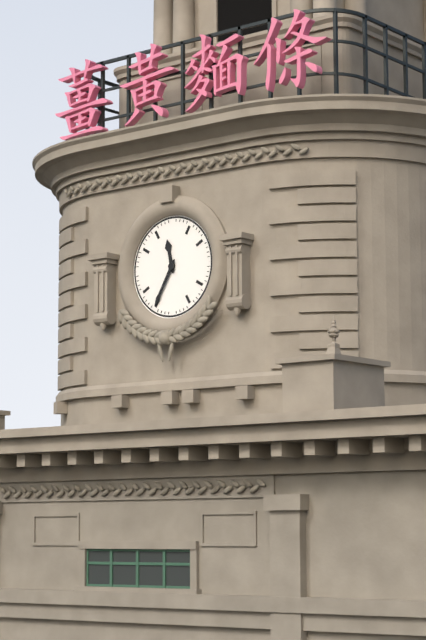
11:35
